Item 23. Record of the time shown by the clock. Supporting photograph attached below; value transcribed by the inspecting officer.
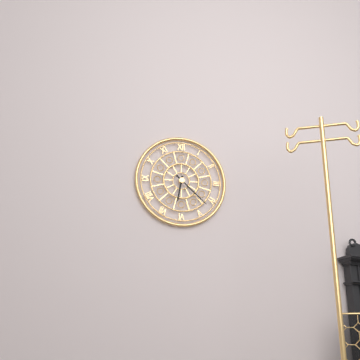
6:22
